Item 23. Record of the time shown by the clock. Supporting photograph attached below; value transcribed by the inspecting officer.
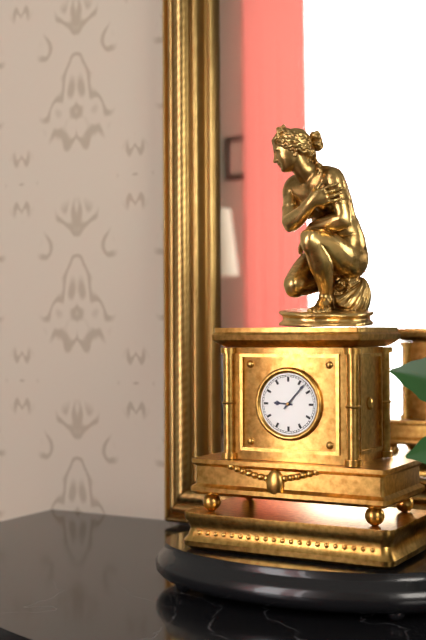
9:07
